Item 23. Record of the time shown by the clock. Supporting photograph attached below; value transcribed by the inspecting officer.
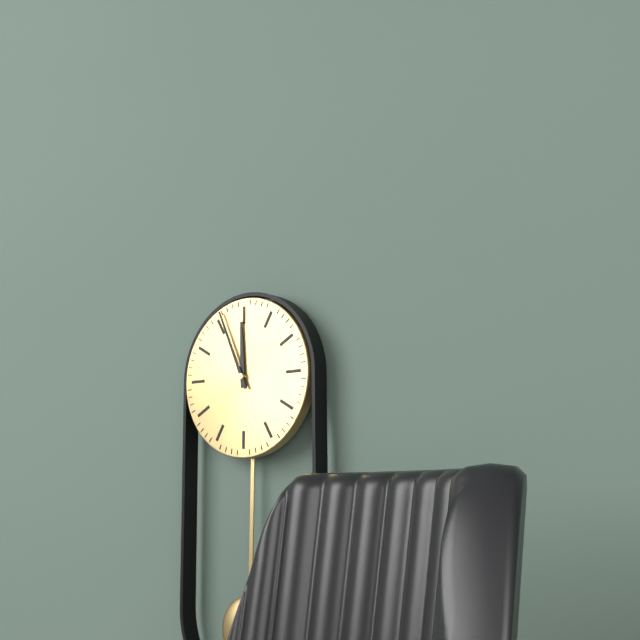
11:56
